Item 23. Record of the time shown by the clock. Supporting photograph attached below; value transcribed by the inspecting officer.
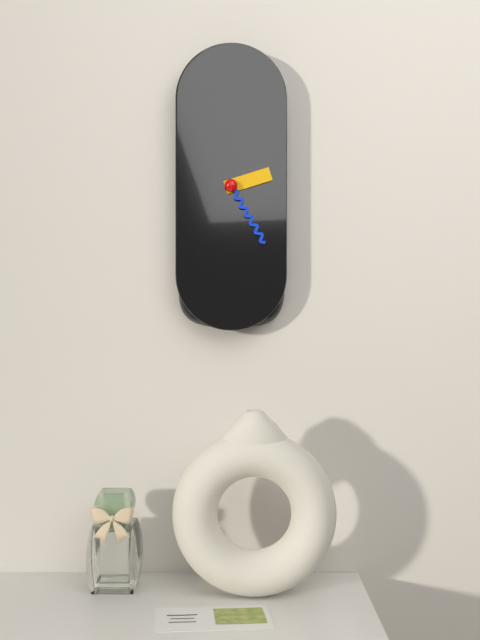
2:25
